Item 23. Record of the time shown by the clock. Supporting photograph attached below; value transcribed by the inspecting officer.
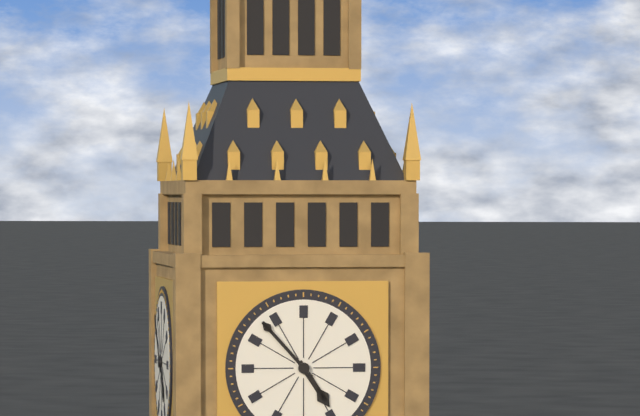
4:53
